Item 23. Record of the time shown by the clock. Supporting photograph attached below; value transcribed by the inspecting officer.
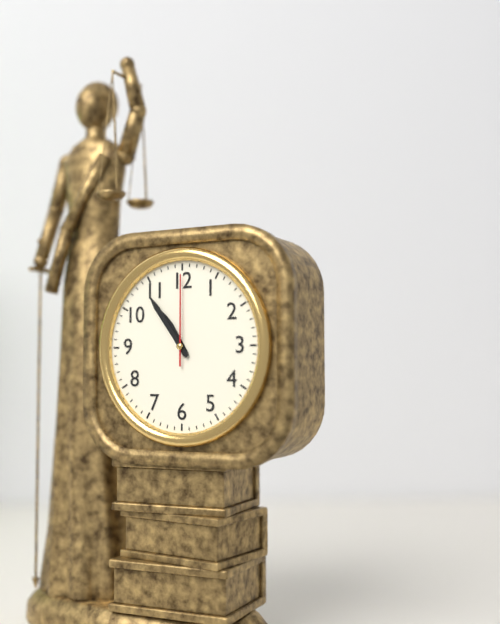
10:54:00
